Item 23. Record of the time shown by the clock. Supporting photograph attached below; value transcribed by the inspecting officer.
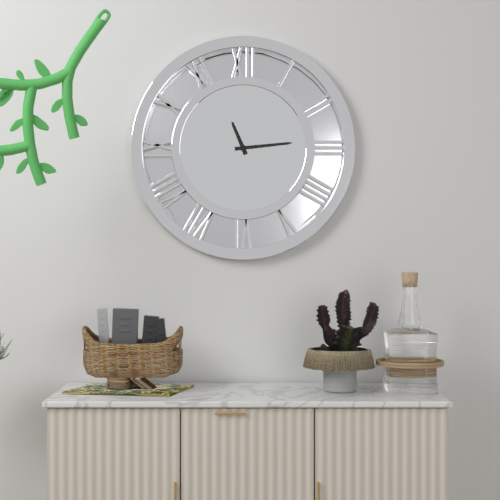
11:14
